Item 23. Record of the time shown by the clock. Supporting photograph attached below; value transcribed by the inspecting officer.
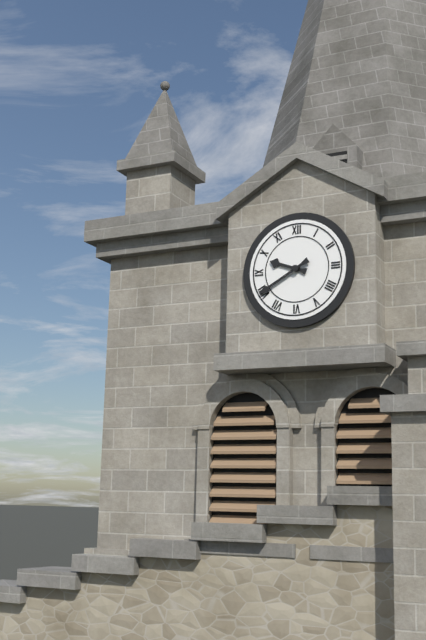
9:40
